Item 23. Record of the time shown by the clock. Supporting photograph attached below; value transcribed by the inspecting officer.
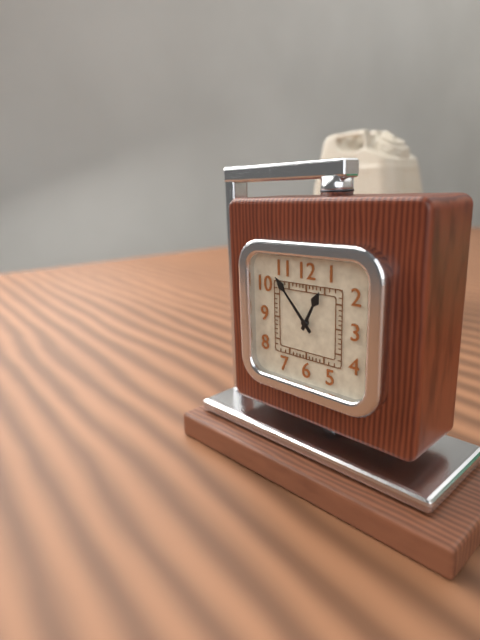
12:53
